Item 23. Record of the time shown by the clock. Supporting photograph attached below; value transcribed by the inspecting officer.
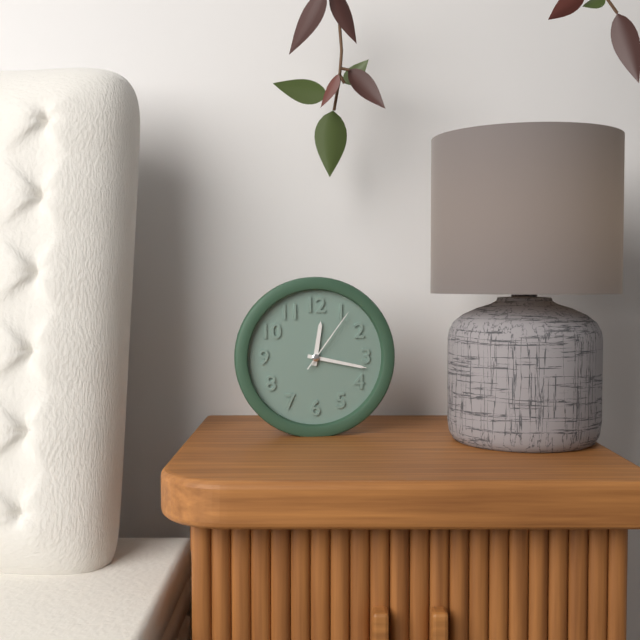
12:17:06
